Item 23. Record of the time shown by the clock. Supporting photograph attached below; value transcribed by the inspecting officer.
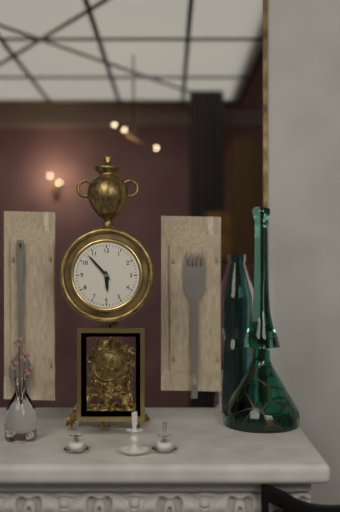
5:53
